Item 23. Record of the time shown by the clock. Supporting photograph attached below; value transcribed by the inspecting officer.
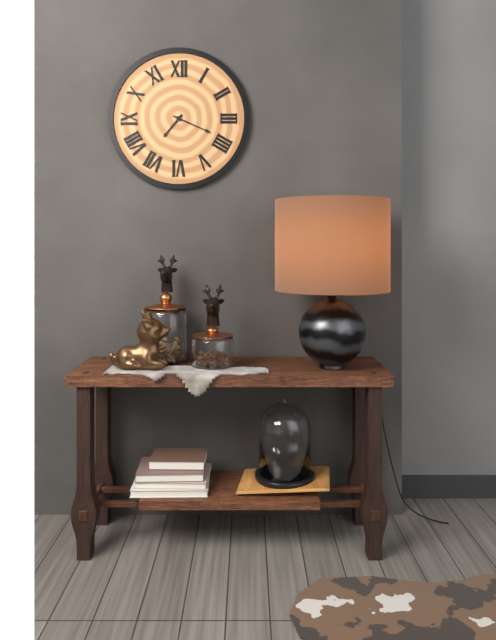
7:19
